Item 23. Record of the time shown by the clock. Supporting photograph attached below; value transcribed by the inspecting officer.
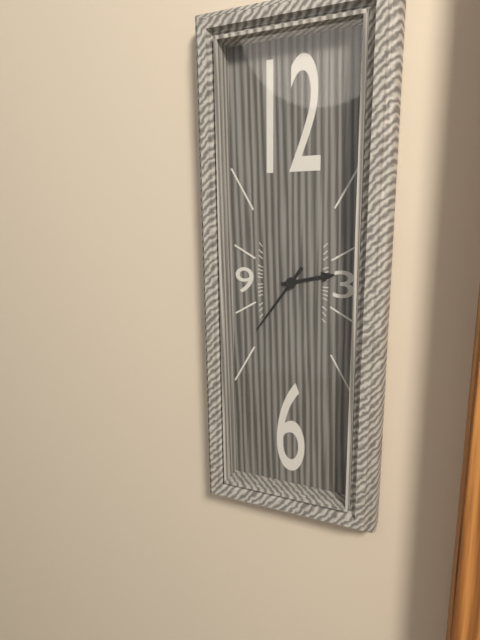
2:36
